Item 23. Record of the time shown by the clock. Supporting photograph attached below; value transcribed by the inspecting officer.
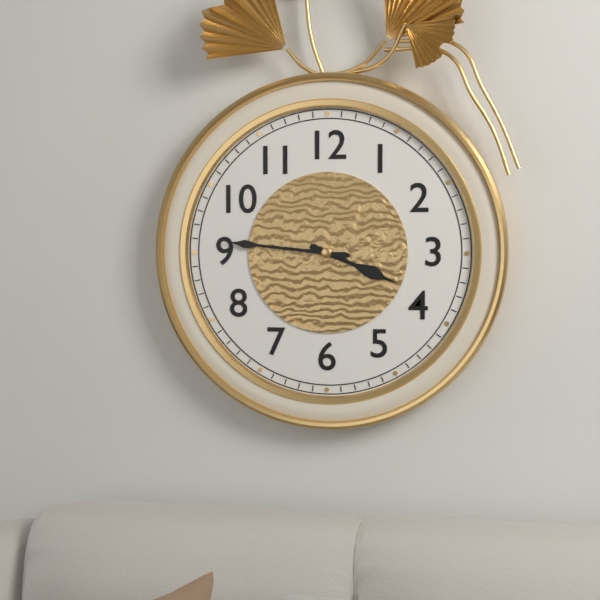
3:46
